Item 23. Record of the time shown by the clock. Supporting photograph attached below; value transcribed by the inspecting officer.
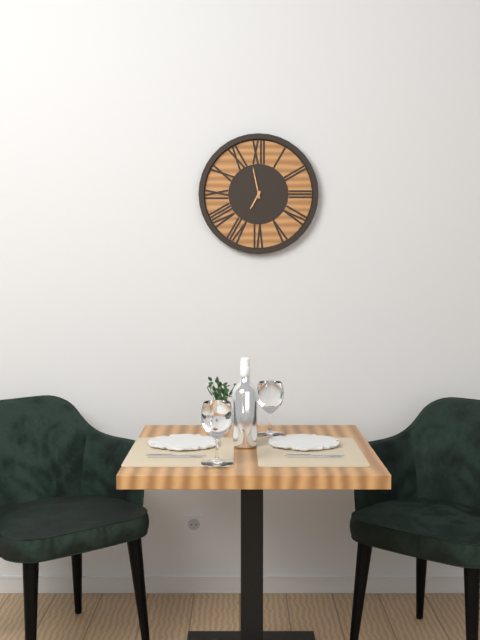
6:58
